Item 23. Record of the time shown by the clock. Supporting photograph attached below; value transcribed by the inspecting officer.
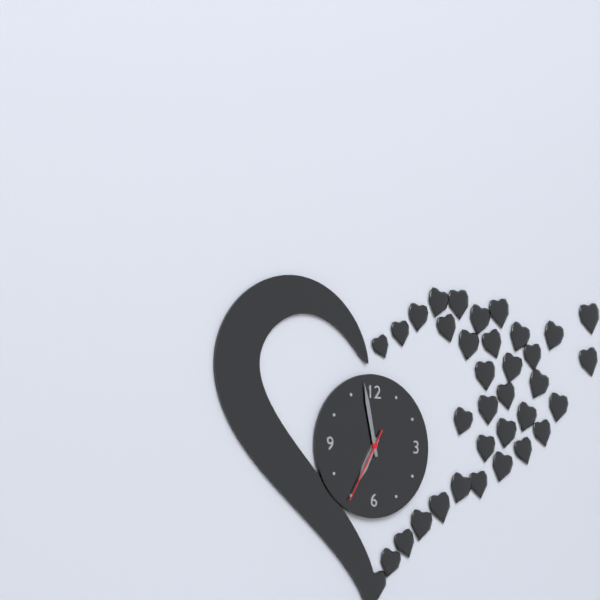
6:58:35
